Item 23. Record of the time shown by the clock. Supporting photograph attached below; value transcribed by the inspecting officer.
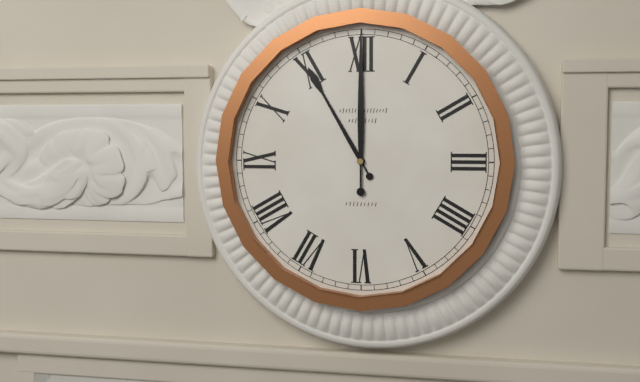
11:00
